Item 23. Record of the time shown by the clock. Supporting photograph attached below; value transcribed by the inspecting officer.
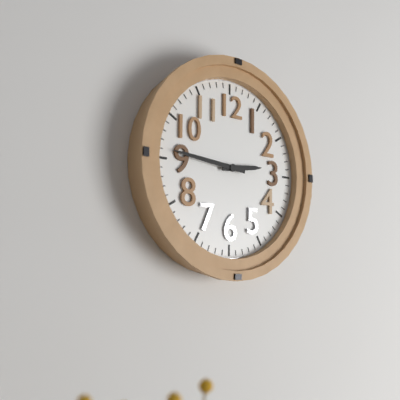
2:46
